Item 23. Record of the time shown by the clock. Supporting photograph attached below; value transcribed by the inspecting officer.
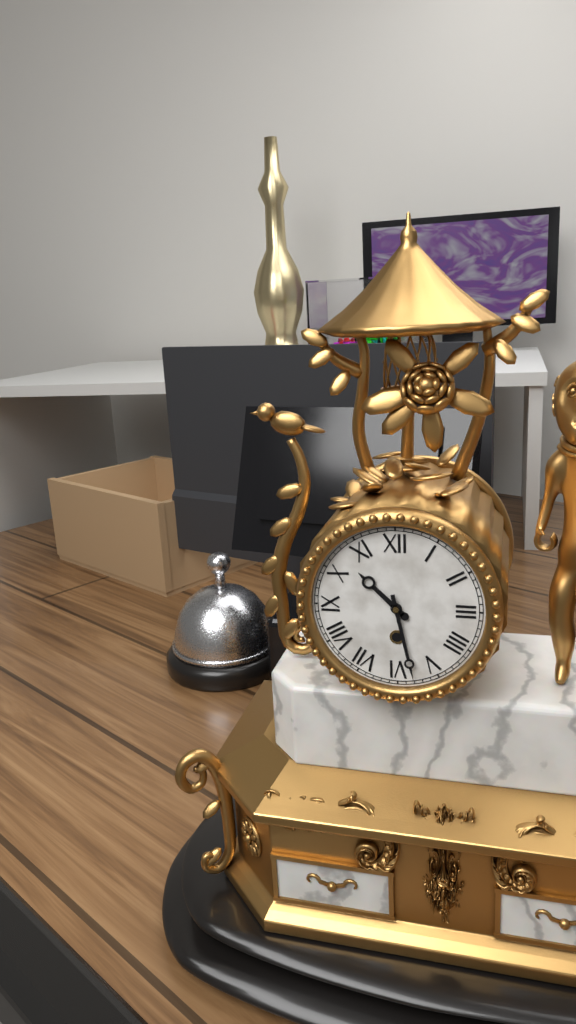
10:28
